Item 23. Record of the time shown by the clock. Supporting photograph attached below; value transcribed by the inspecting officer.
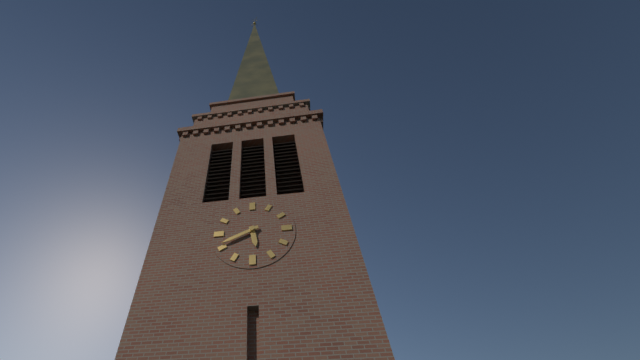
5:41
